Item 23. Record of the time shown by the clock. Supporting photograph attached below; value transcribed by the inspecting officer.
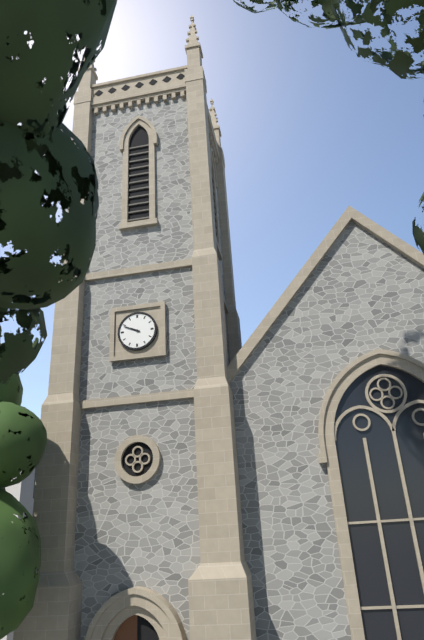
9:49
